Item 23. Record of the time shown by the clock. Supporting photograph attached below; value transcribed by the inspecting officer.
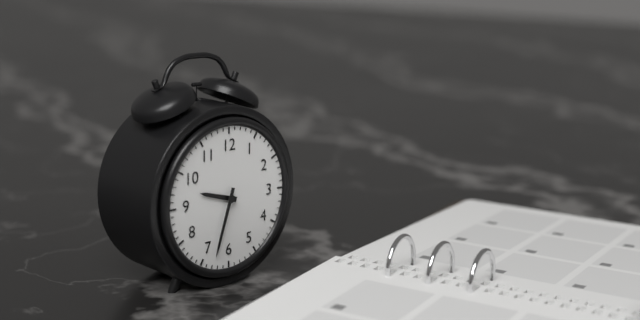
9:33
